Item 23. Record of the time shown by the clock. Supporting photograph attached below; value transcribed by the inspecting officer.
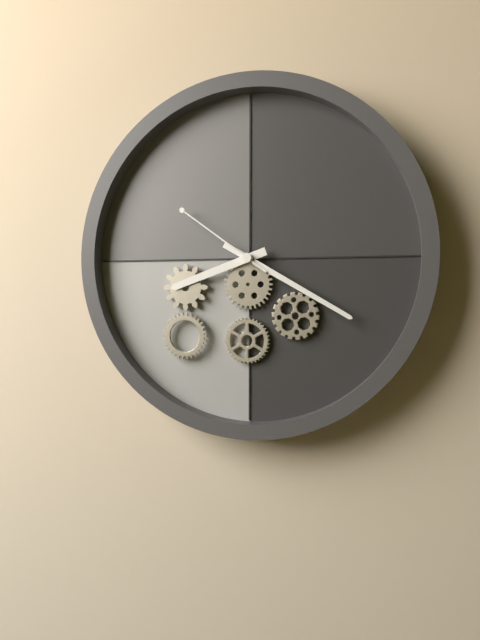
8:20:51
